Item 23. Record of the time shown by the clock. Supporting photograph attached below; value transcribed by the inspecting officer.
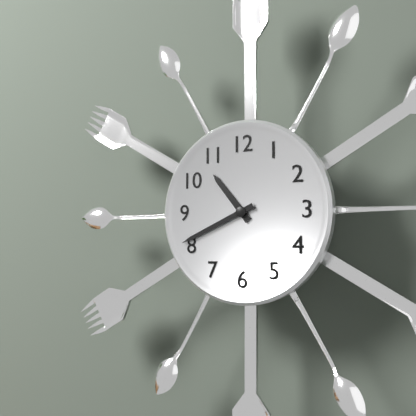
10:41
